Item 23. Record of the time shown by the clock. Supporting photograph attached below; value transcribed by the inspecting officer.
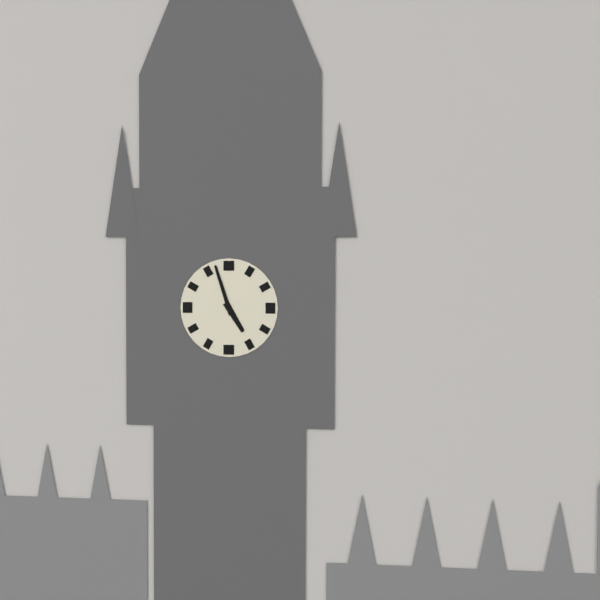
4:57
